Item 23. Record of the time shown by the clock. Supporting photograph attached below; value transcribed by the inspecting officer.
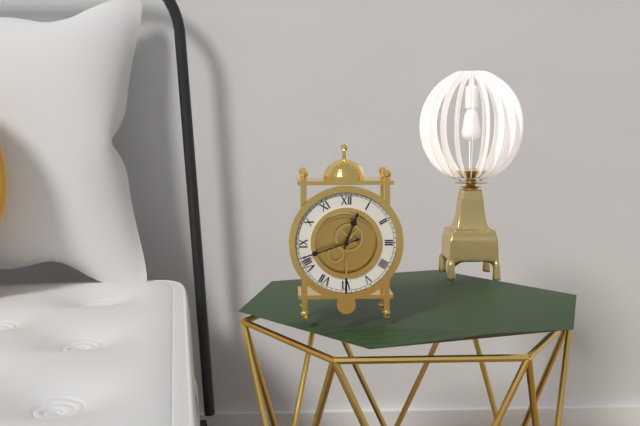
12:42
